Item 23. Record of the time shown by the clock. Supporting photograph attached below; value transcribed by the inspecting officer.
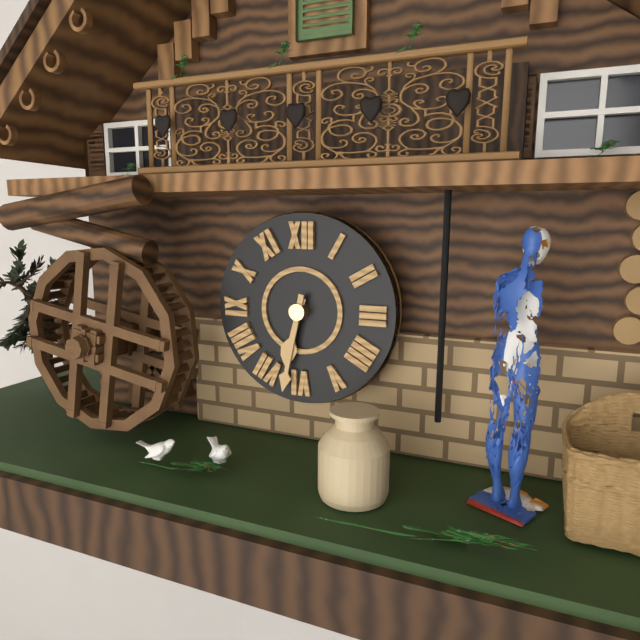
6:32
